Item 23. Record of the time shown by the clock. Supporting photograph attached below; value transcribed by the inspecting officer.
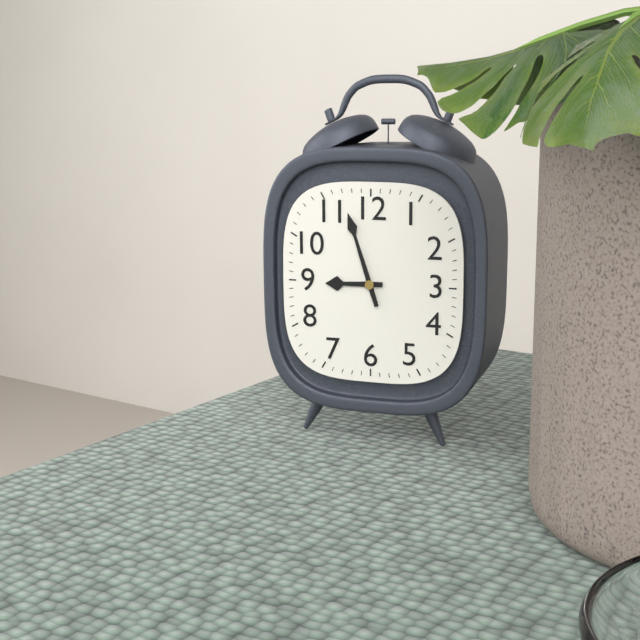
8:57
